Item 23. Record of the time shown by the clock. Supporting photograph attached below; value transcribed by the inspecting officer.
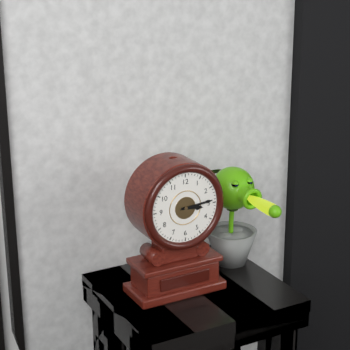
3:14
